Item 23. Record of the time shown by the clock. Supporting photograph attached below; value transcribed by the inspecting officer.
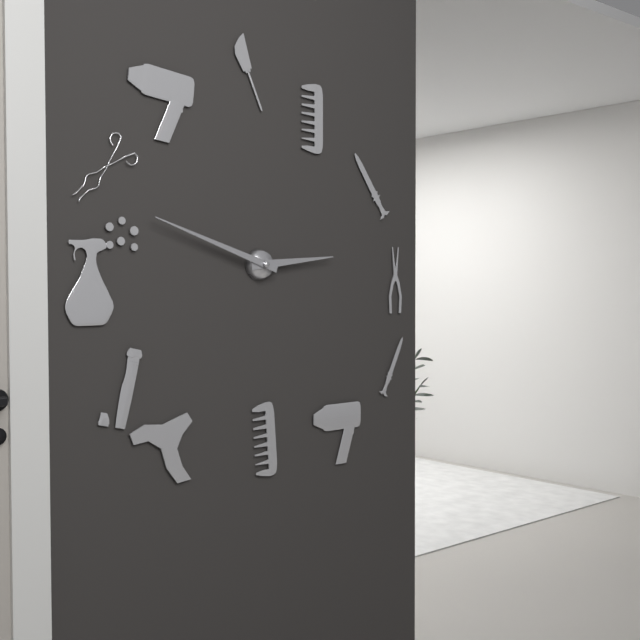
2:48
